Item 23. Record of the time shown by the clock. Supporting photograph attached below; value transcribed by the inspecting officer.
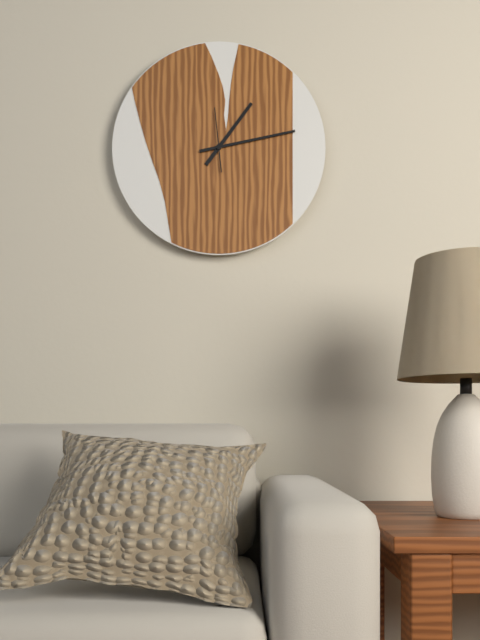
1:13:59
